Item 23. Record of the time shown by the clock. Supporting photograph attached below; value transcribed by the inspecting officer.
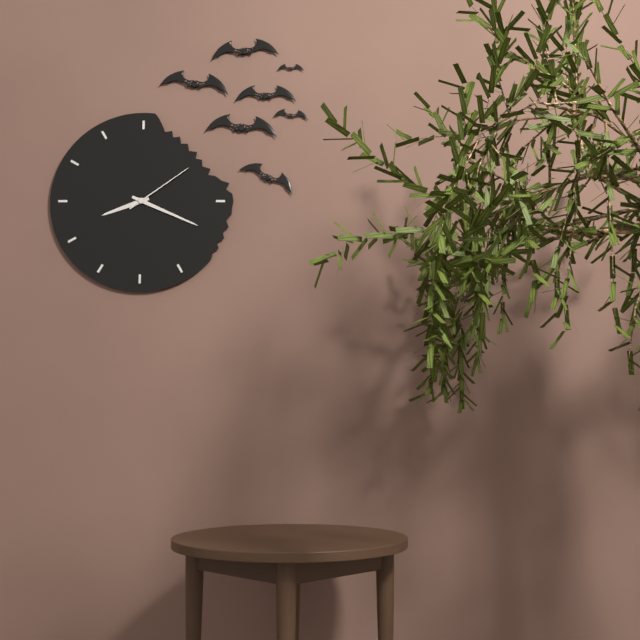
8:19:09
